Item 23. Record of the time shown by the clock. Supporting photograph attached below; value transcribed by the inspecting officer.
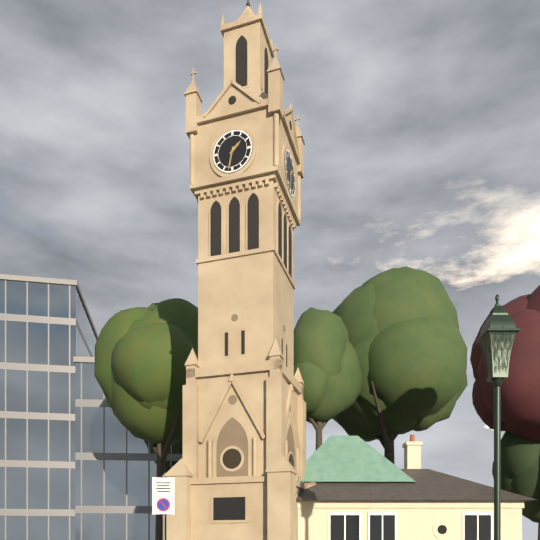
1:32
